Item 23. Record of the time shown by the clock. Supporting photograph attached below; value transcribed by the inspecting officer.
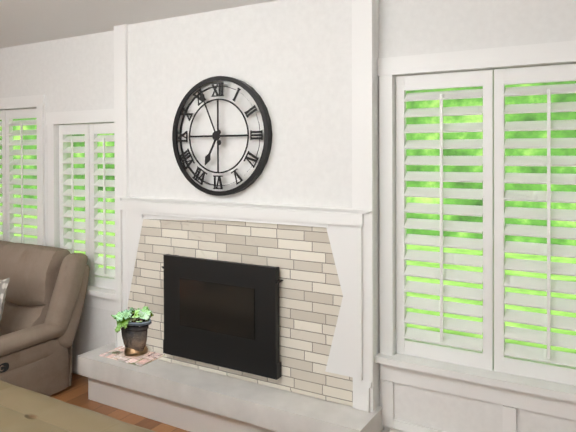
6:56
